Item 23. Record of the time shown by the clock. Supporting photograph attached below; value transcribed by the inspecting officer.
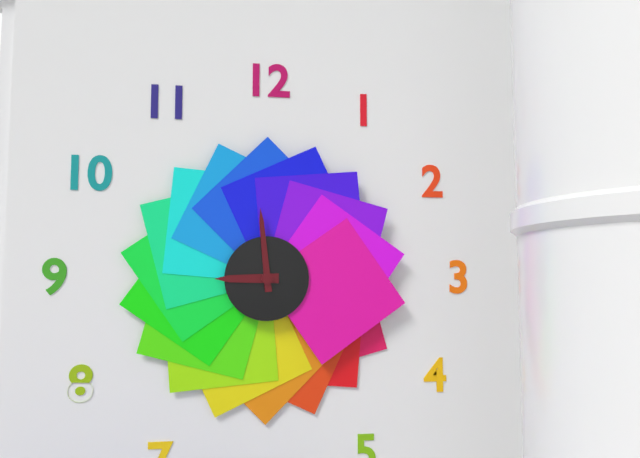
8:59
